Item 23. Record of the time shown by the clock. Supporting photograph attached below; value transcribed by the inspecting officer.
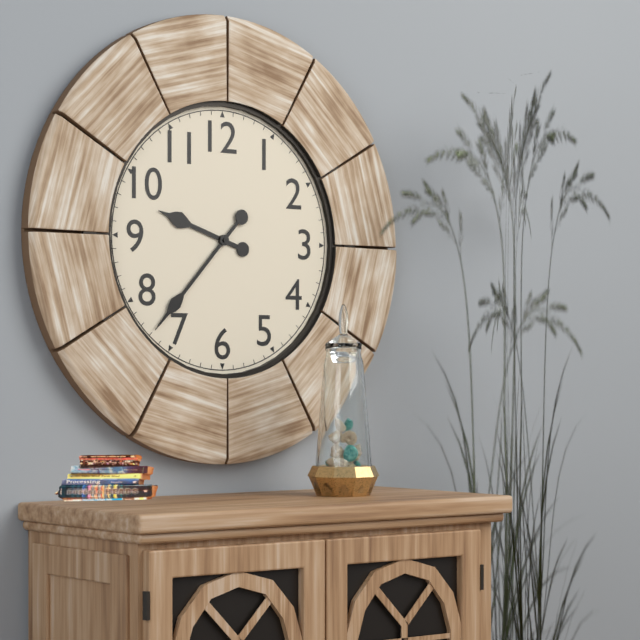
9:37
